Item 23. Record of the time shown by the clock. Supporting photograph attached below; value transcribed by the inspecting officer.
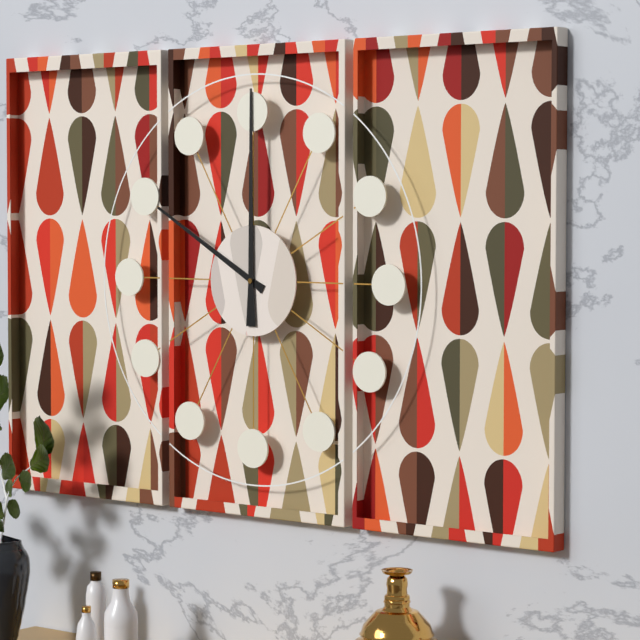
10:00
